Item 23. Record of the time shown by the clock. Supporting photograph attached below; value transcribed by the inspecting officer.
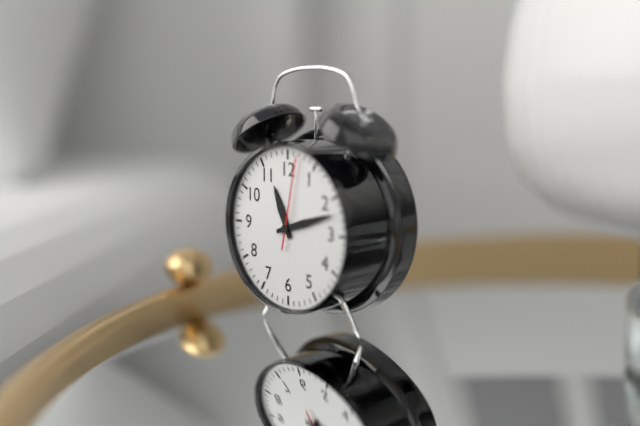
11:12:02
